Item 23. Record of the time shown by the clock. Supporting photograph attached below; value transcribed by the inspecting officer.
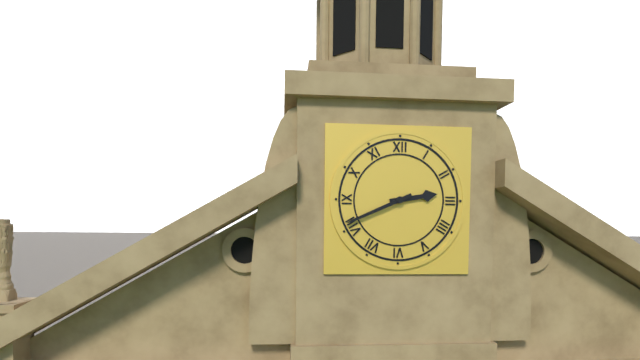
2:41
